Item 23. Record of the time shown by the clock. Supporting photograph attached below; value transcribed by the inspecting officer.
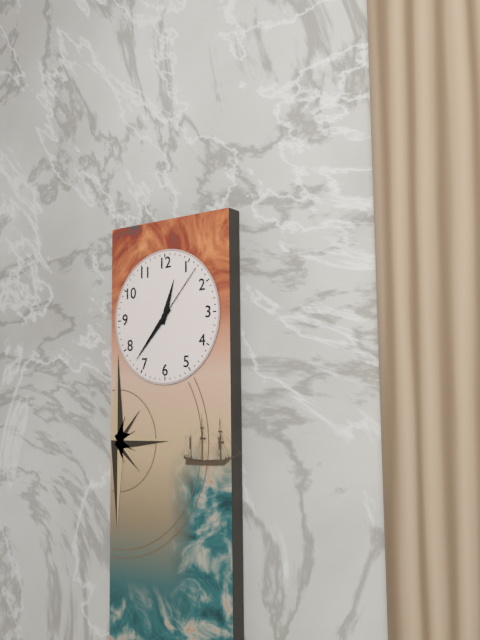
12:37:07
